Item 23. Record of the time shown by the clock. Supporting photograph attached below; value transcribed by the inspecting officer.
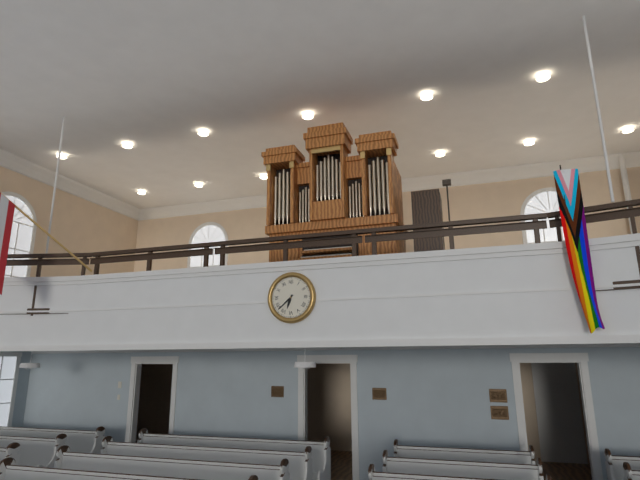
6:38
